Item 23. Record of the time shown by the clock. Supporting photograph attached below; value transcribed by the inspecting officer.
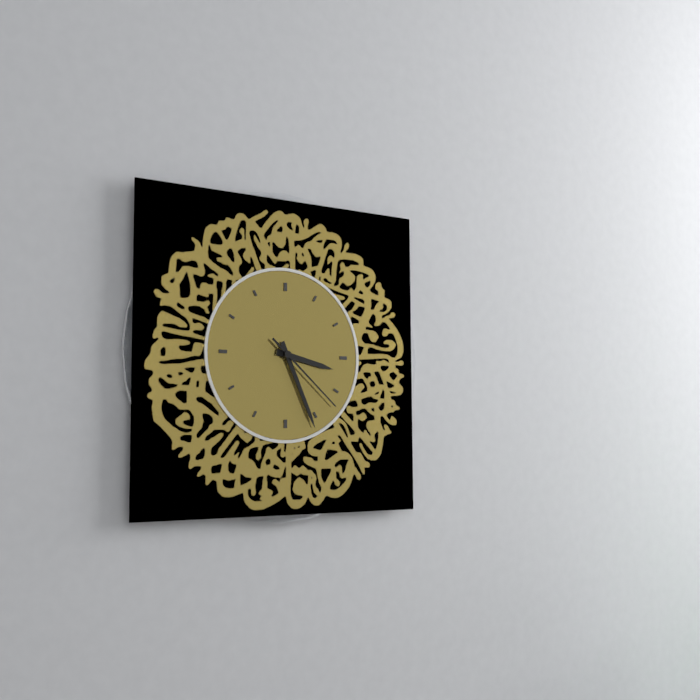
3:26:22
